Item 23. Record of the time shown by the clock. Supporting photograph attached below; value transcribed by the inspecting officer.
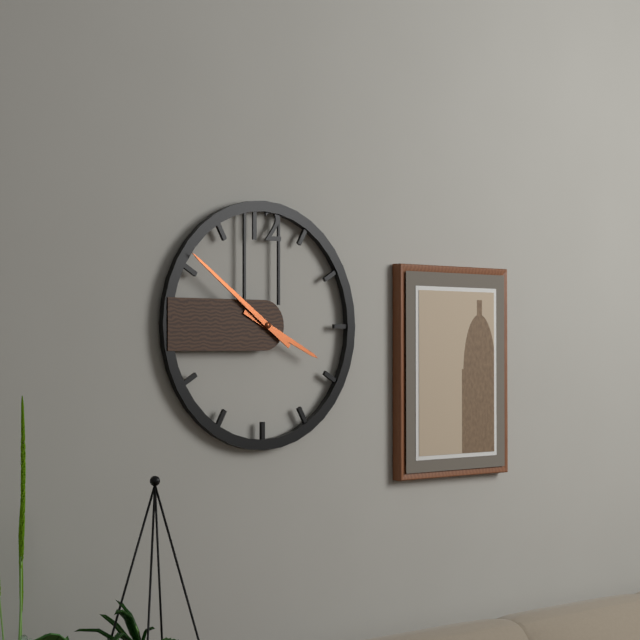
3:51
